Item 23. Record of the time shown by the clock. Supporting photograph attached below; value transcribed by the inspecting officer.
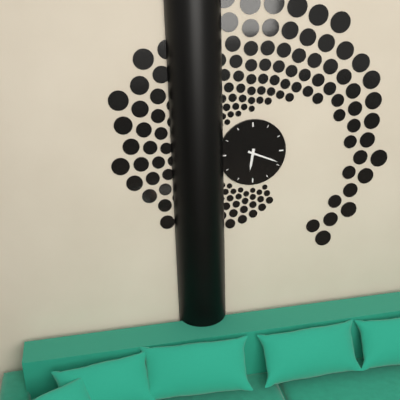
6:19
